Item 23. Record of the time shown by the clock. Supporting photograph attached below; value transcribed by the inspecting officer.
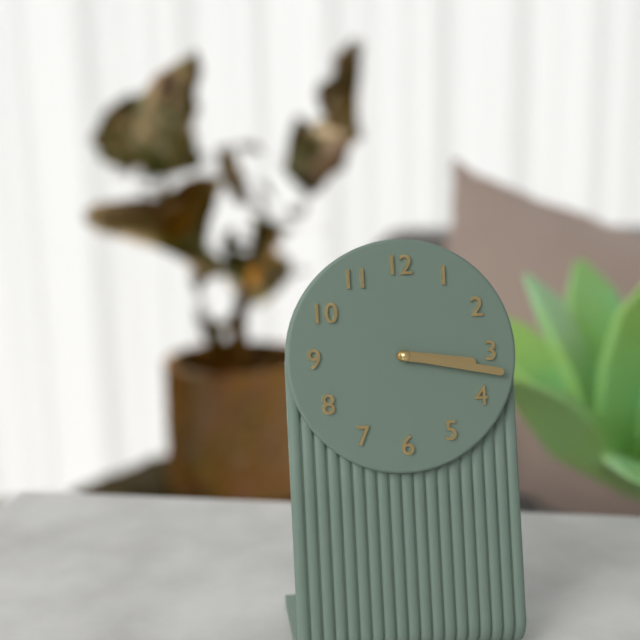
3:17
